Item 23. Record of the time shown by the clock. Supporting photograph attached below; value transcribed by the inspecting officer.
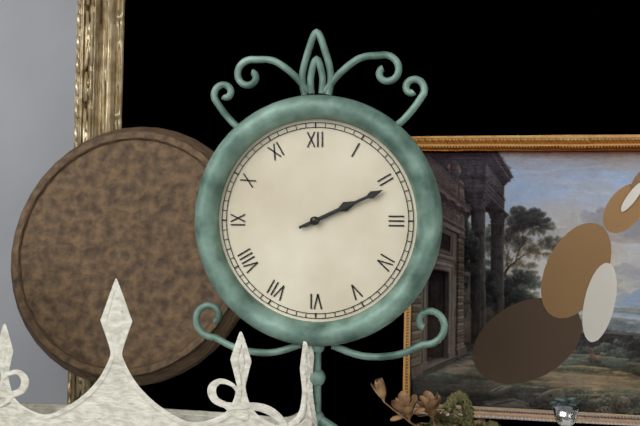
2:11
